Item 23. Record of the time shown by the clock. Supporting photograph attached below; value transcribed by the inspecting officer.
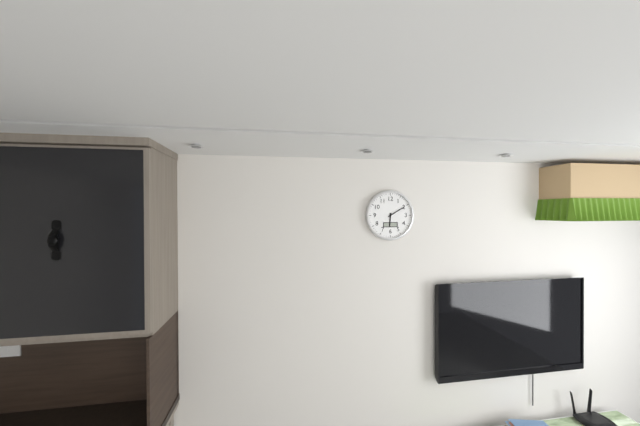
6:10
